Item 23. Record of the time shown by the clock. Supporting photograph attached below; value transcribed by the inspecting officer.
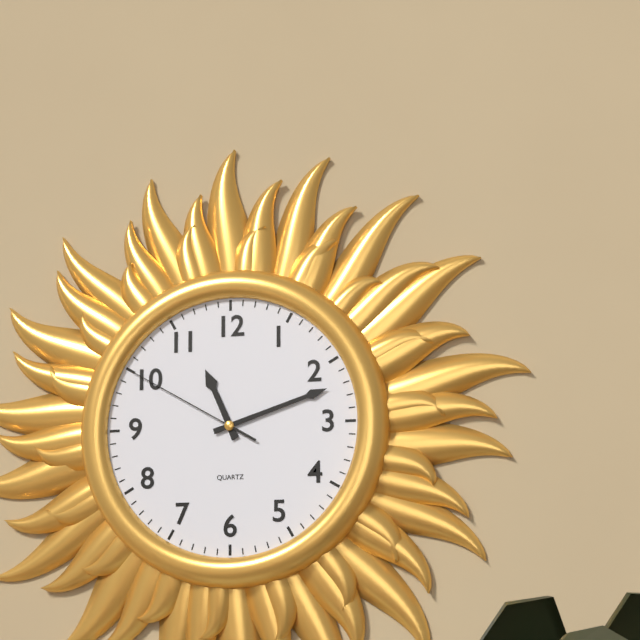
11:12:50
